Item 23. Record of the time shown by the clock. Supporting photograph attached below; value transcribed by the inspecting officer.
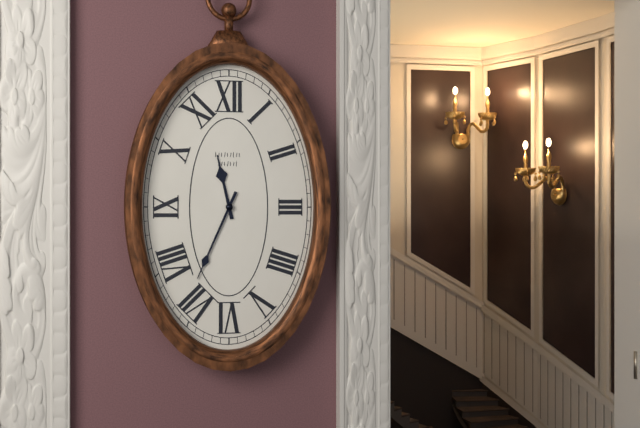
11:34
